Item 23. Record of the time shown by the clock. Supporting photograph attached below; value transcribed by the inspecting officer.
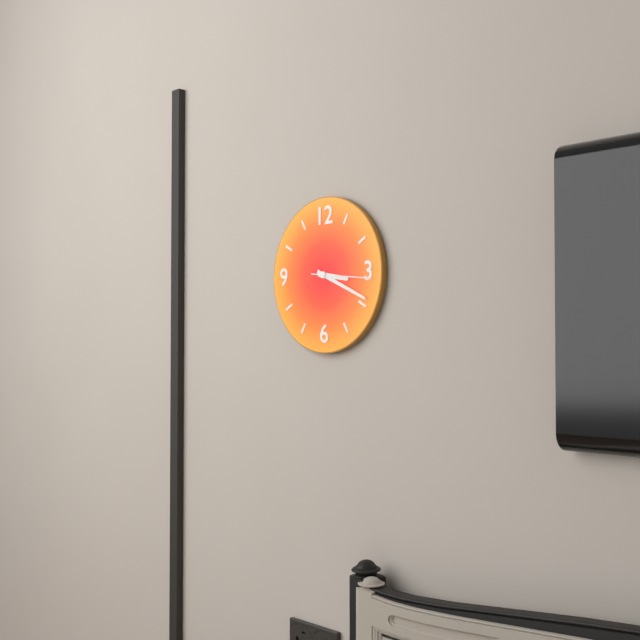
3:19:16
